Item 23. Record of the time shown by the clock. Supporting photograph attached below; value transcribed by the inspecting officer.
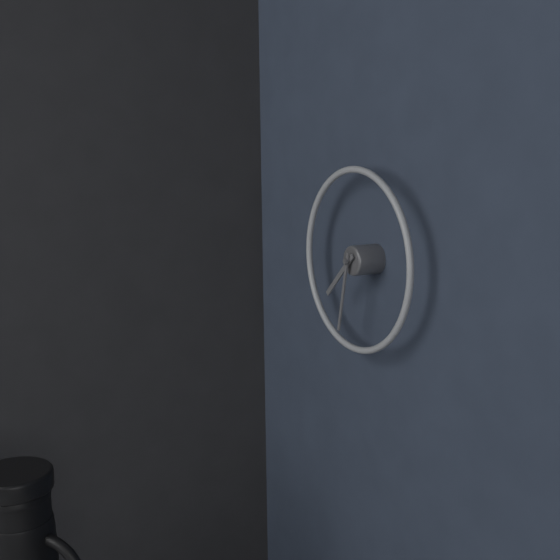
7:32
